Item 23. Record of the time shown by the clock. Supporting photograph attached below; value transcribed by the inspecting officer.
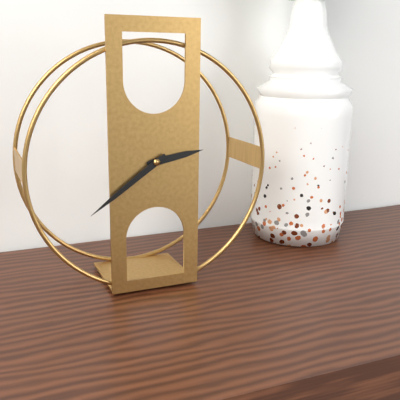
2:39
